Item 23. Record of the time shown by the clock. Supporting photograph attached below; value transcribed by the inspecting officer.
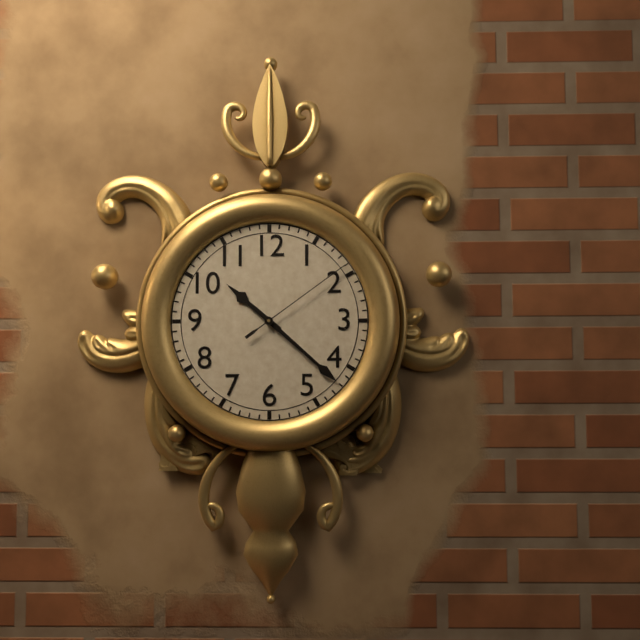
10:22:09
